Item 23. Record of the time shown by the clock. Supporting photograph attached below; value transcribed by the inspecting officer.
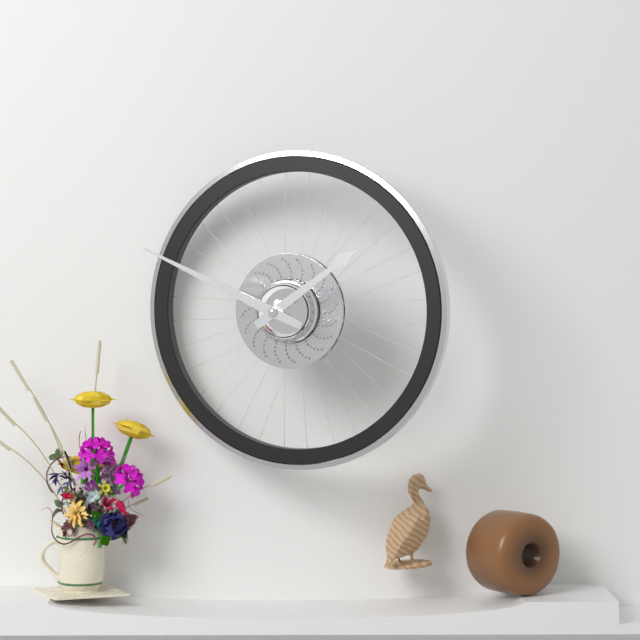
1:49
